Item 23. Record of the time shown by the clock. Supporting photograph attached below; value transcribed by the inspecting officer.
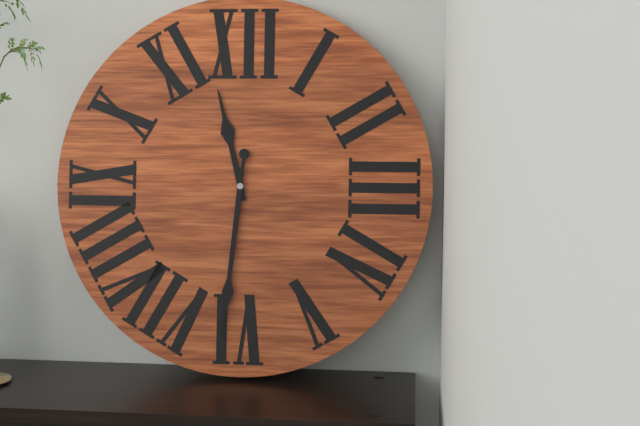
11:31
